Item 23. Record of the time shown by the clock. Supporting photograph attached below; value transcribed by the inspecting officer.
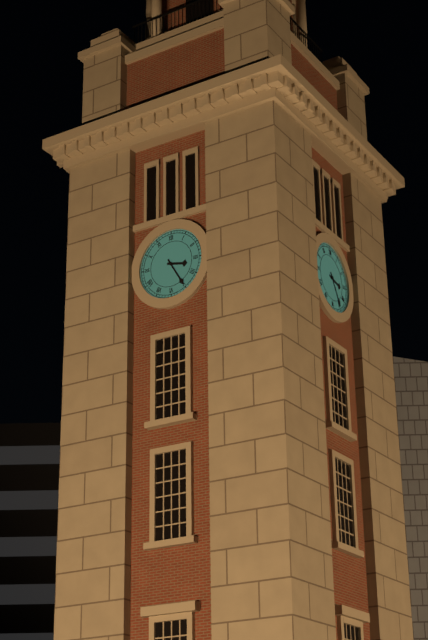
3:25
